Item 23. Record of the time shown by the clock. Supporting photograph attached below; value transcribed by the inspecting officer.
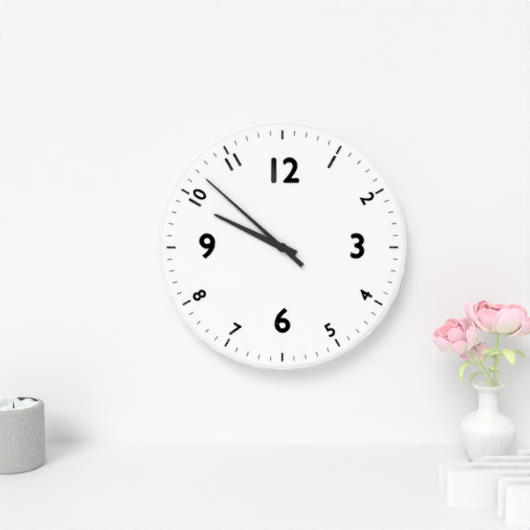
9:52
